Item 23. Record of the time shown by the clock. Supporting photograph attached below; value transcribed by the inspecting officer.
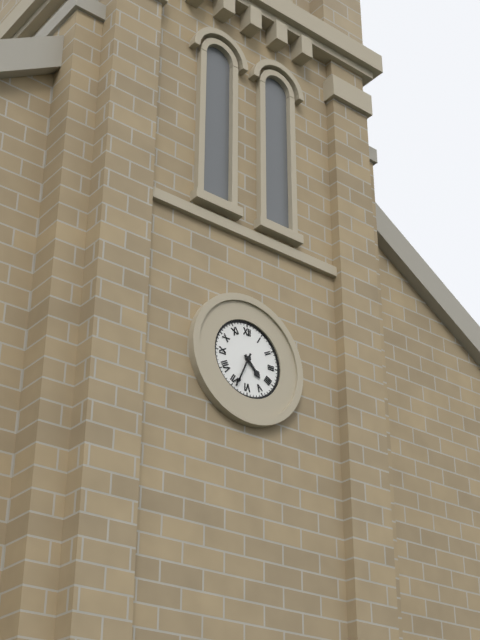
4:34
